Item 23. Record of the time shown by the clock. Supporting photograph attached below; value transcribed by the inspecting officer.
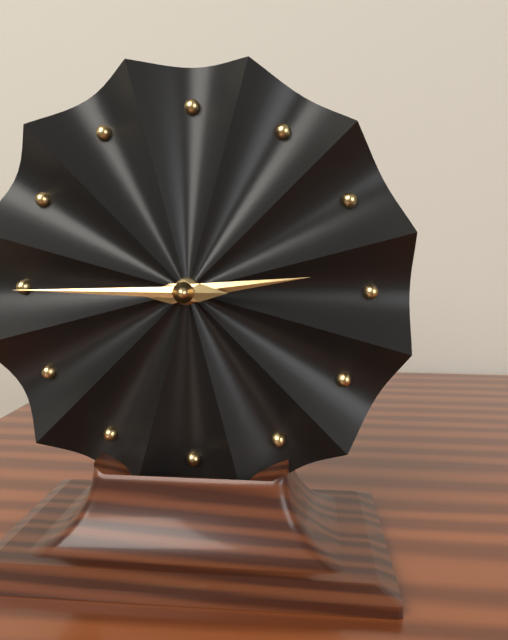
2:45
